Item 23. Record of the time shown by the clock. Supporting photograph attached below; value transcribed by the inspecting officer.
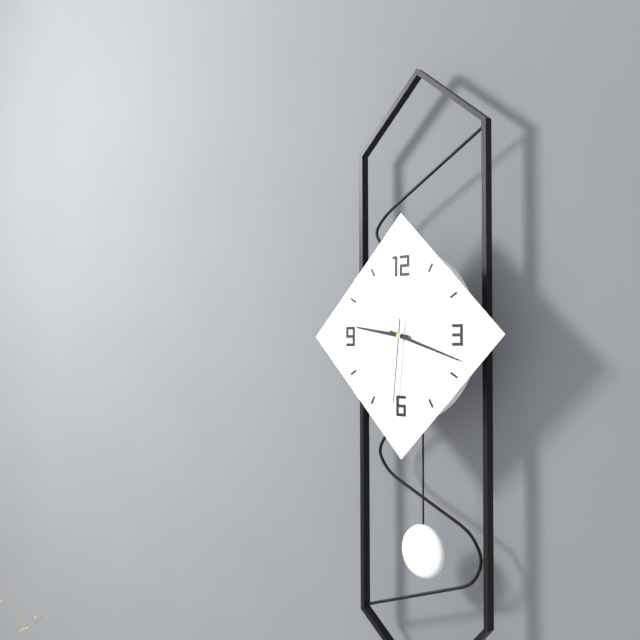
9:18:31
